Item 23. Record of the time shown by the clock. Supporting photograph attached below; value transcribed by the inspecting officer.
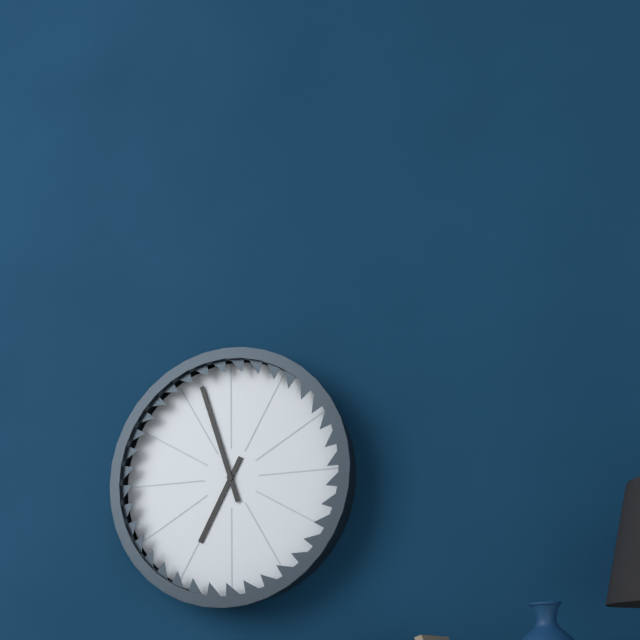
6:57
